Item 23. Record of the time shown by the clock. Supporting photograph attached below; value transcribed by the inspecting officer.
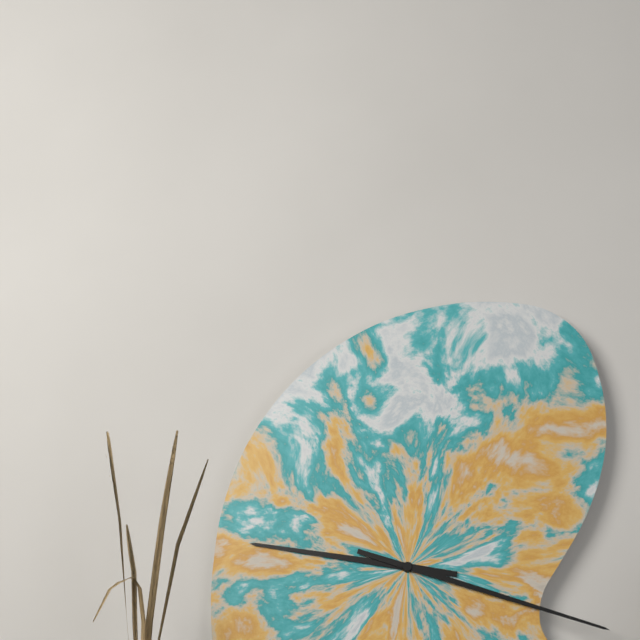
9:18
